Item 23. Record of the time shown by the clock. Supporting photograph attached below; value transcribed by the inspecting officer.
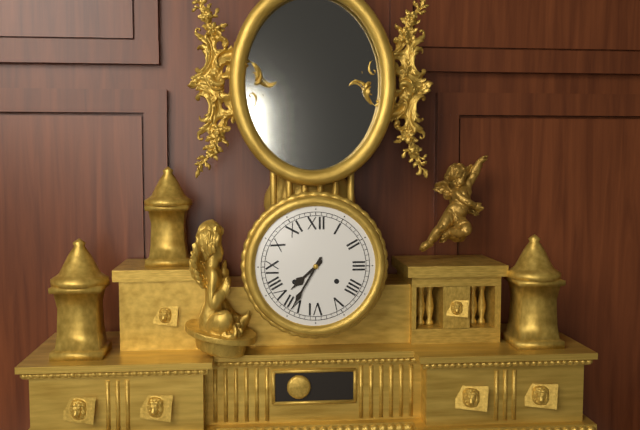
7:35
